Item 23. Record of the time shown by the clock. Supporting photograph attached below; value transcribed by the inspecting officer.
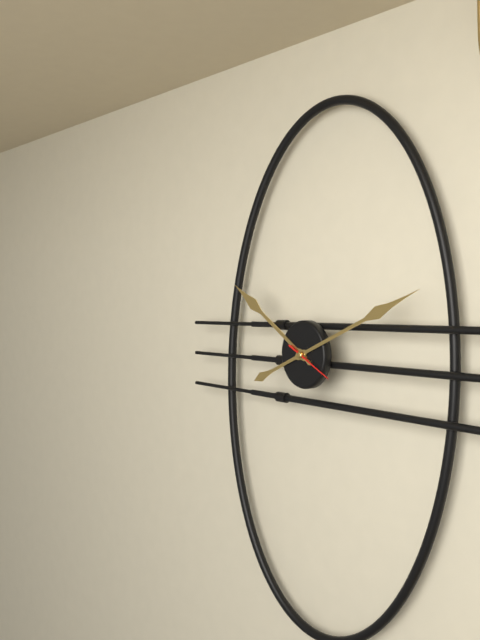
10:11
